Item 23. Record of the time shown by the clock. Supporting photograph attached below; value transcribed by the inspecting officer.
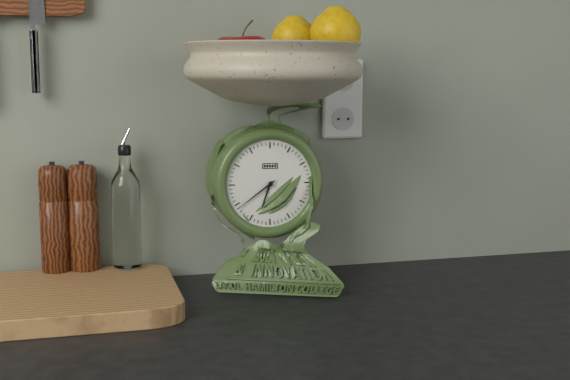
6:39
